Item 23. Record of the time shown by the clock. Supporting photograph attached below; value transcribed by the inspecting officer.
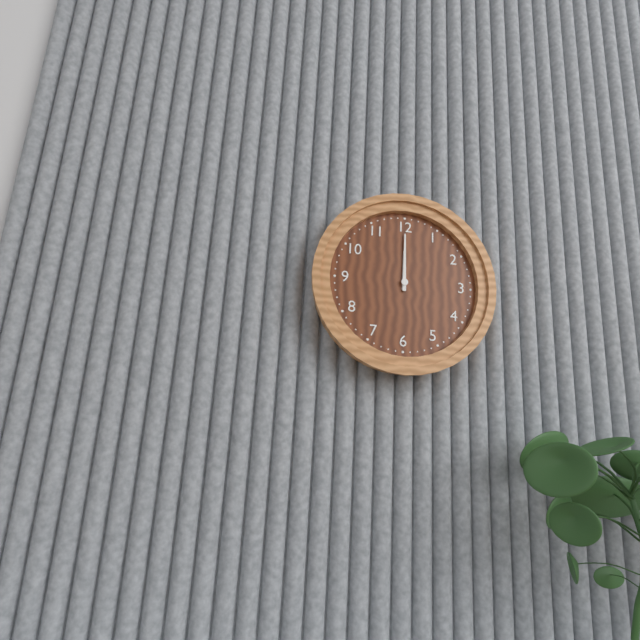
12:00
